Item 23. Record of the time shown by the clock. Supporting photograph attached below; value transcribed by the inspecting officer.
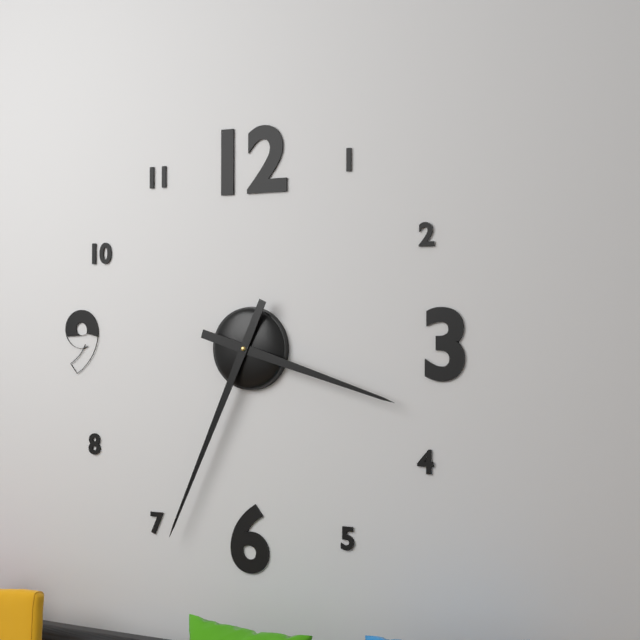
3:34
